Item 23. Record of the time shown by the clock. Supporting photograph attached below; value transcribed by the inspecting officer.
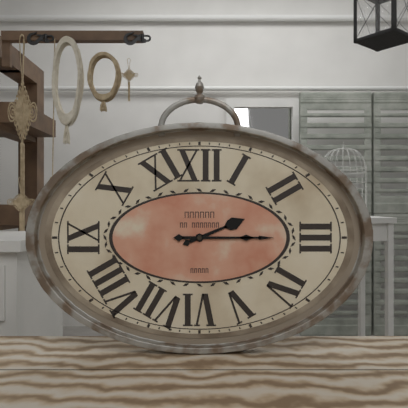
2:15
